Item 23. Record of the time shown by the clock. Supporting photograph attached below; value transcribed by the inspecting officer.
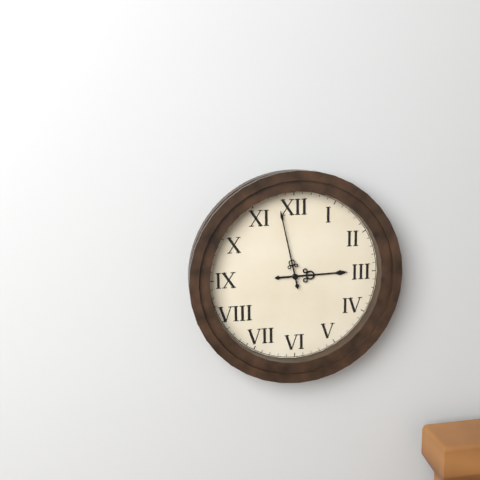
2:58
